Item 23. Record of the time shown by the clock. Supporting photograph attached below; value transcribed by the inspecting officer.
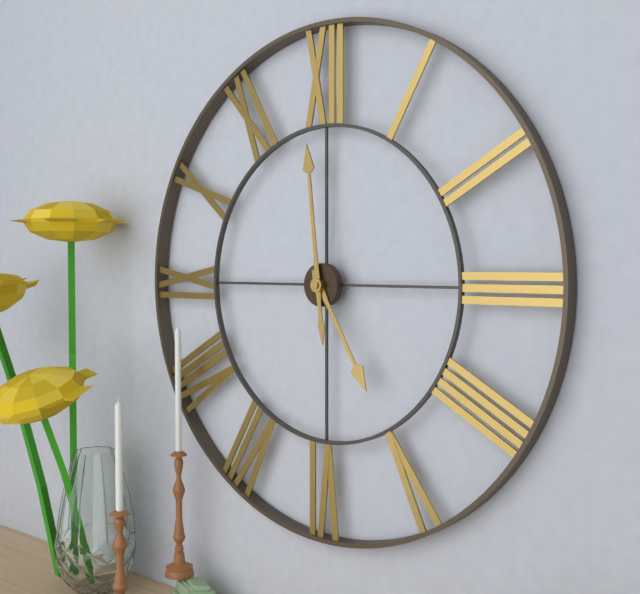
4:59
